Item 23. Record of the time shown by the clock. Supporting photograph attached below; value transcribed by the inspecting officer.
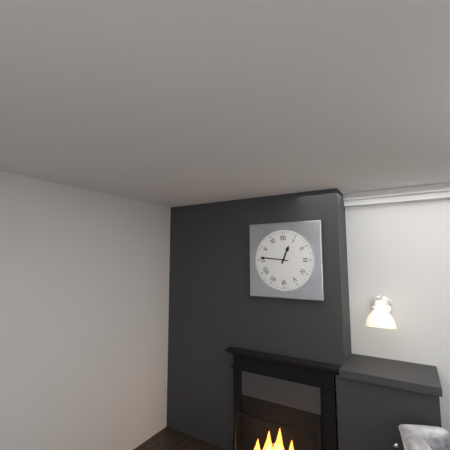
12:46
